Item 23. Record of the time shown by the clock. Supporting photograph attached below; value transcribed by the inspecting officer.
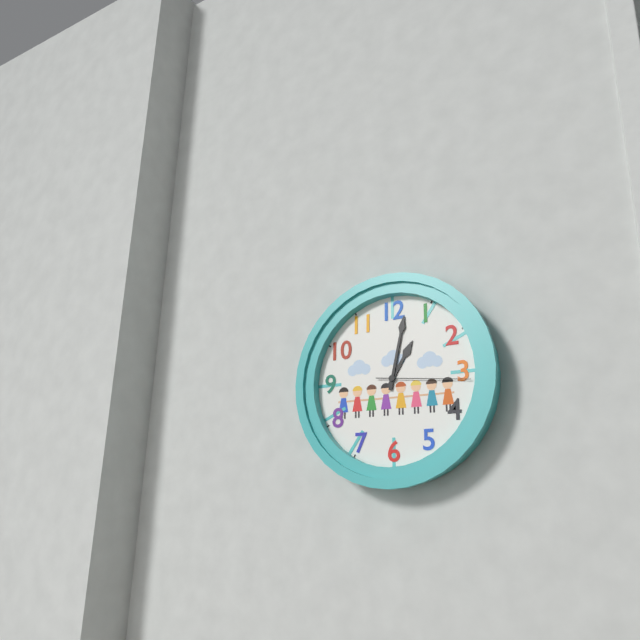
1:02:16
